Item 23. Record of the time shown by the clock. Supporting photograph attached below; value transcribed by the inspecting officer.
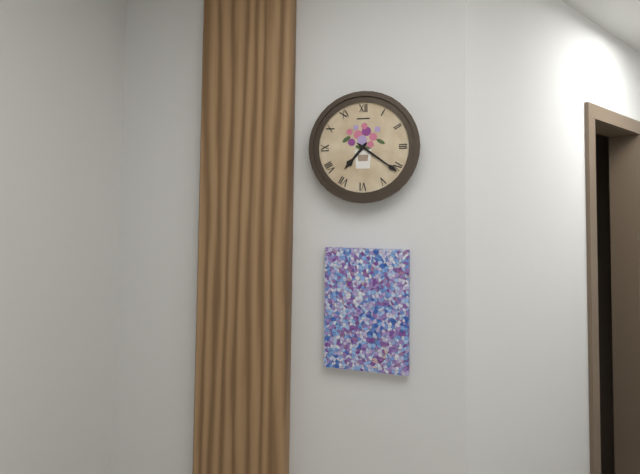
7:21
